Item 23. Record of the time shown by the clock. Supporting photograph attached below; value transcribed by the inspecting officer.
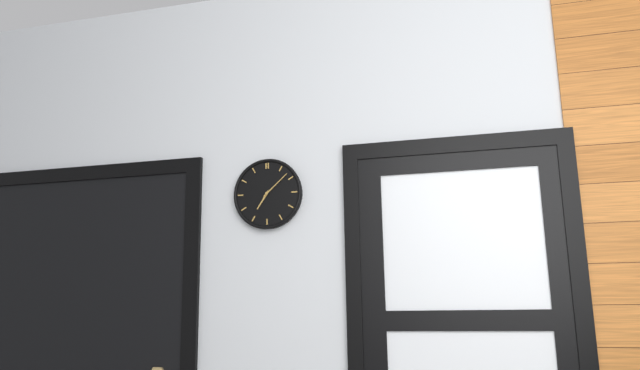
7:08
